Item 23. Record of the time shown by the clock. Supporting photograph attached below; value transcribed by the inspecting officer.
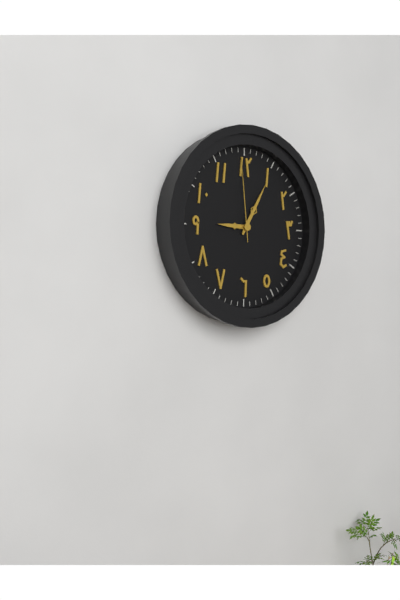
9:05:59
